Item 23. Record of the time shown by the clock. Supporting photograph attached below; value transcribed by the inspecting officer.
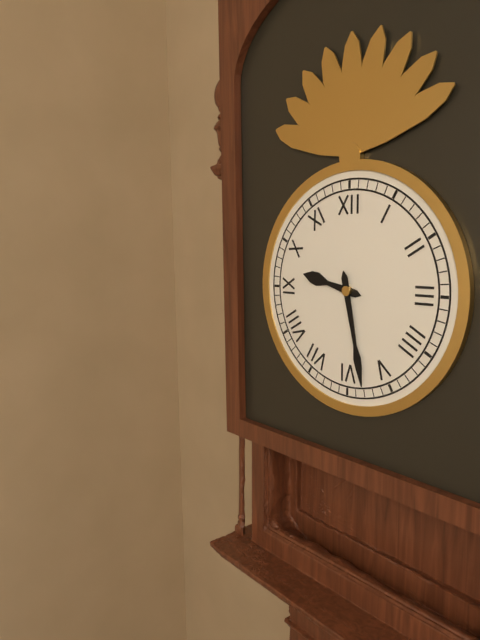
9:28
